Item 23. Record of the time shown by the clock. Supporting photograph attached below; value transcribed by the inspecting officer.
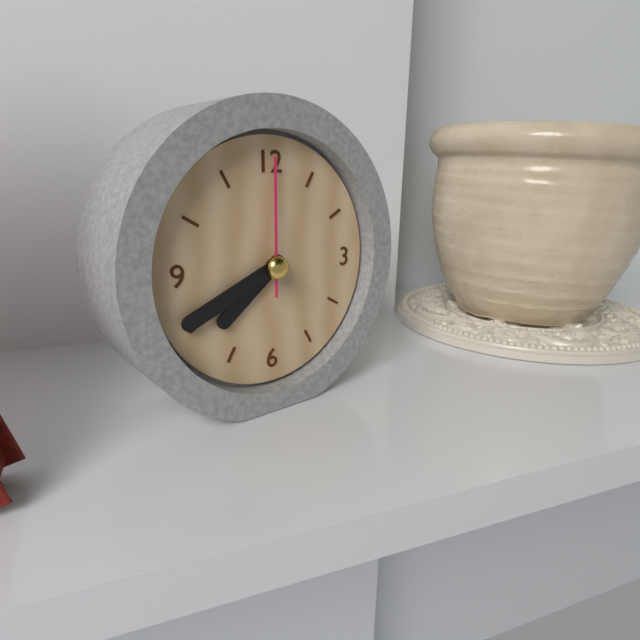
7:41:00
